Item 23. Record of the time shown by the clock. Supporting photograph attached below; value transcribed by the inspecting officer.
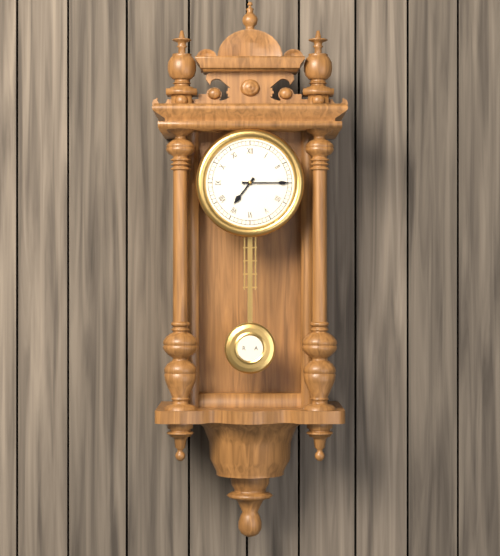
7:15
